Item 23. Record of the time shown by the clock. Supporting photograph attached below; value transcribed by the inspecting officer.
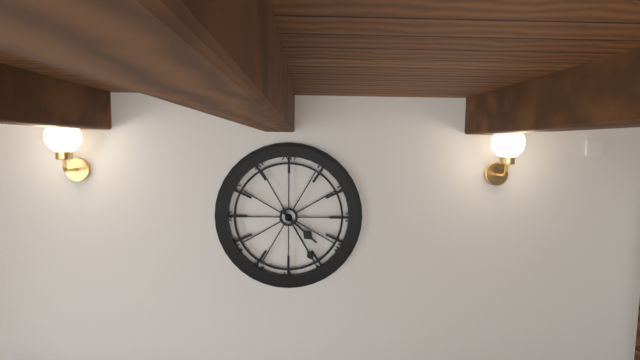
4:25
